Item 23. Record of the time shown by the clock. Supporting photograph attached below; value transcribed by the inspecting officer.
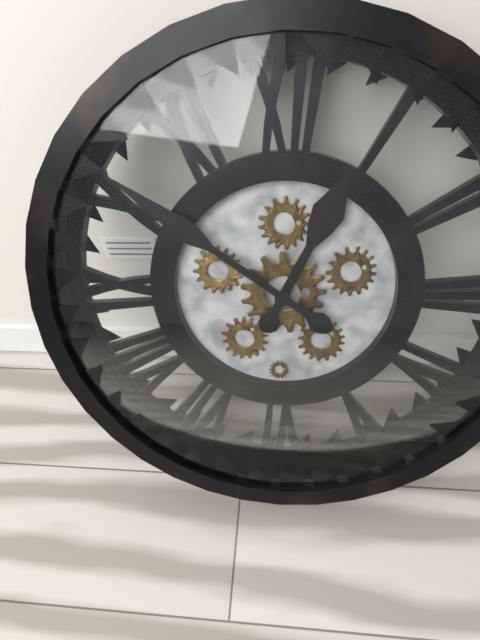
12:51
